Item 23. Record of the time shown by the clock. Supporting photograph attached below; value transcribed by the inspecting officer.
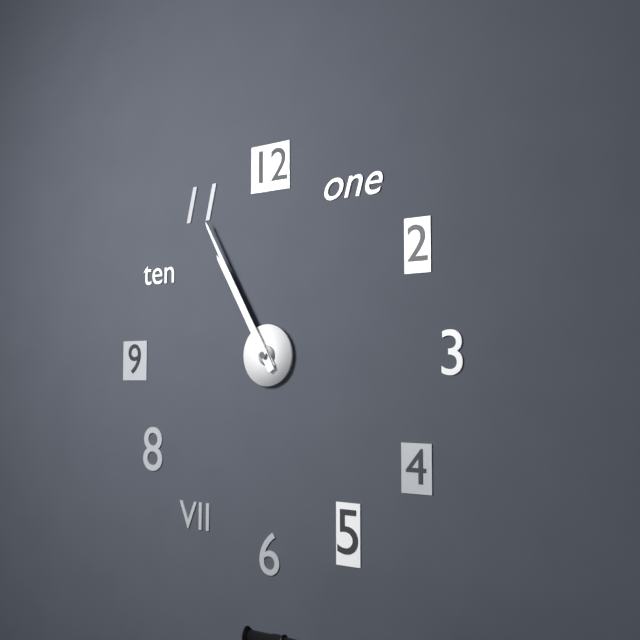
10:55
